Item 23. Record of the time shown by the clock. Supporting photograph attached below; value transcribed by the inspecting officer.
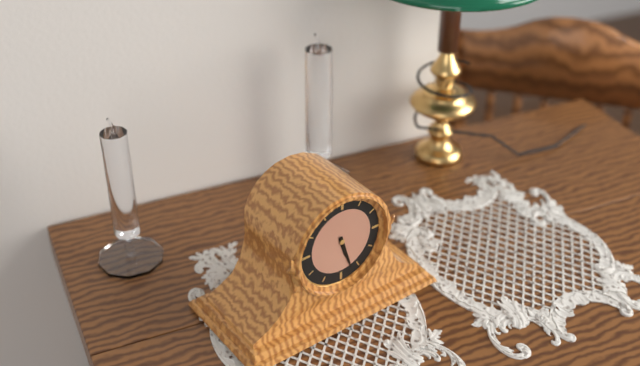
5:27
